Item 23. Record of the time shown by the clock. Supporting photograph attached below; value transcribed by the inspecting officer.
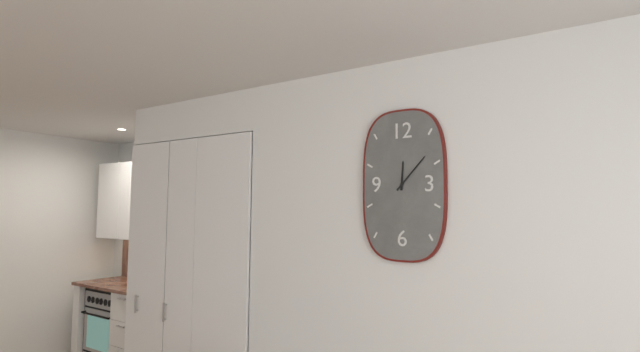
12:07
